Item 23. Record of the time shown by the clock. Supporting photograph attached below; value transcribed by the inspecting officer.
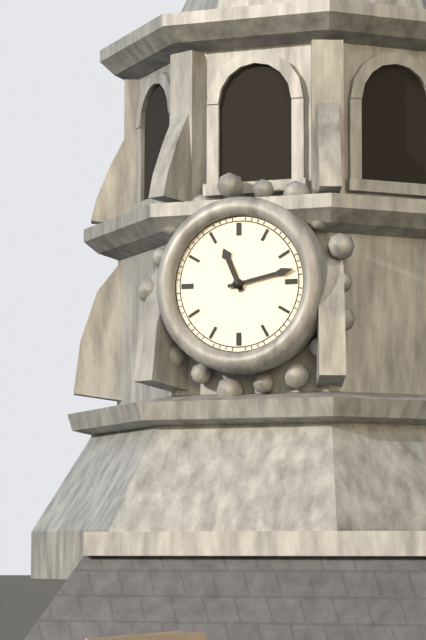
11:13
